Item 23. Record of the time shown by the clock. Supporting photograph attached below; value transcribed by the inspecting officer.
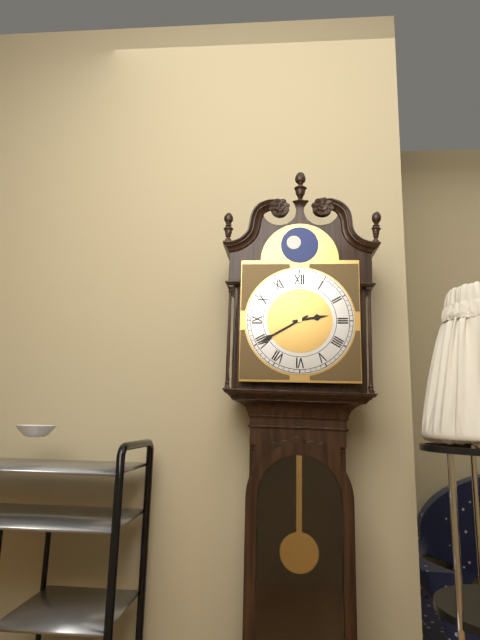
2:40
